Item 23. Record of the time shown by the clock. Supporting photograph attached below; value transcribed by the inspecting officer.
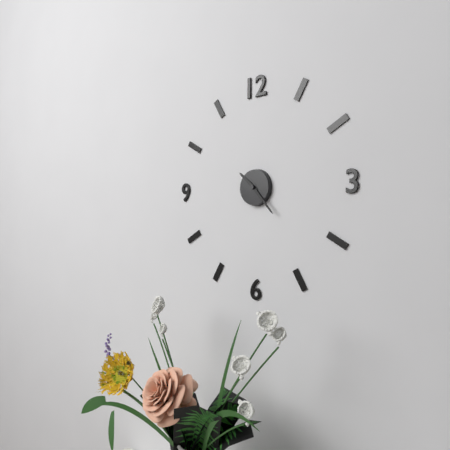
10:23
